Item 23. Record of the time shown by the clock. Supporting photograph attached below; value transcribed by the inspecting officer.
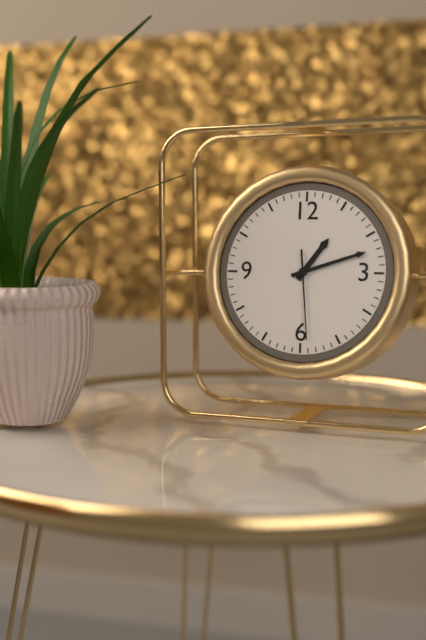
1:12:29
